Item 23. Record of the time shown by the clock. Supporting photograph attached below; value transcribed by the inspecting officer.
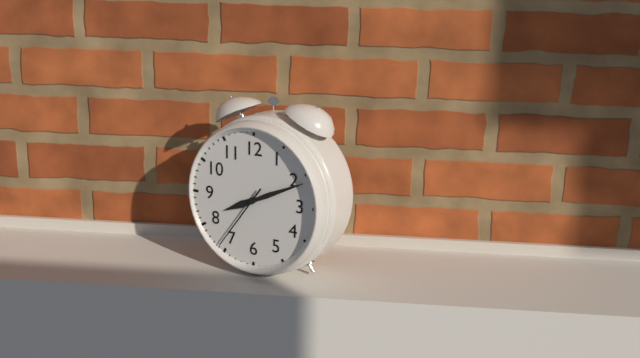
8:11:36
